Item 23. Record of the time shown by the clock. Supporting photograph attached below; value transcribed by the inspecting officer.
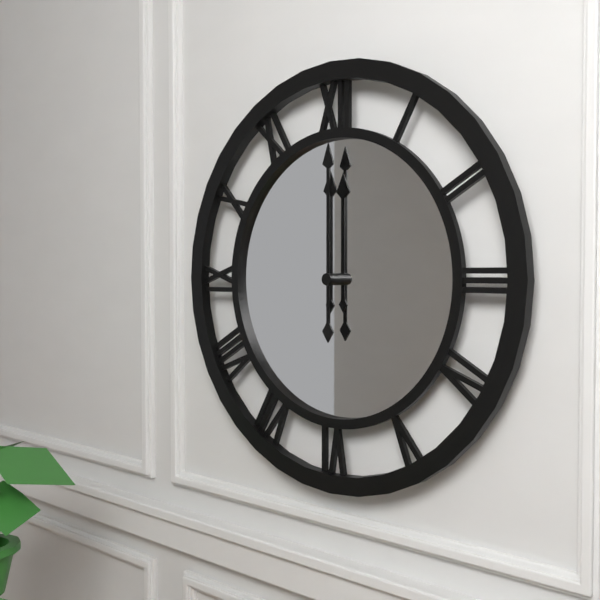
12:00
